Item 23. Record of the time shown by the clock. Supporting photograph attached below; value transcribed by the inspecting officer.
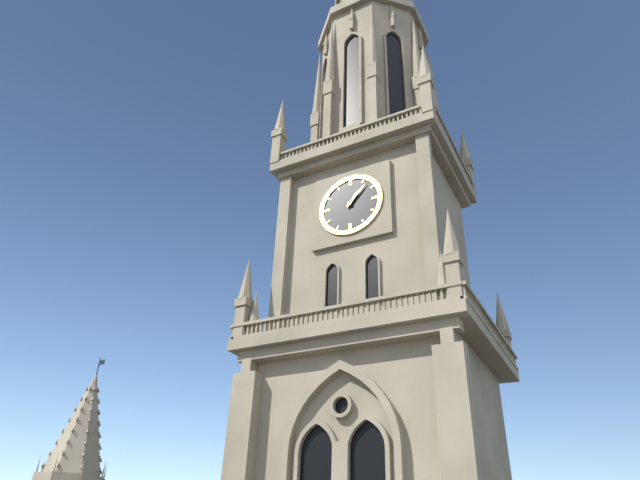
1:07
